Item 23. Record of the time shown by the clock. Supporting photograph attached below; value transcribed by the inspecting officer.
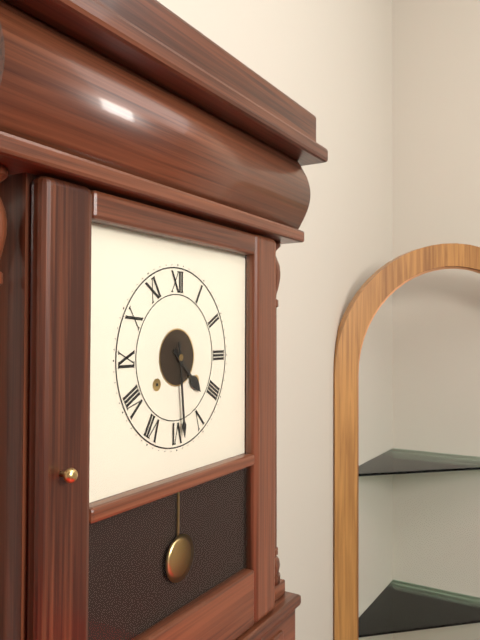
4:29
